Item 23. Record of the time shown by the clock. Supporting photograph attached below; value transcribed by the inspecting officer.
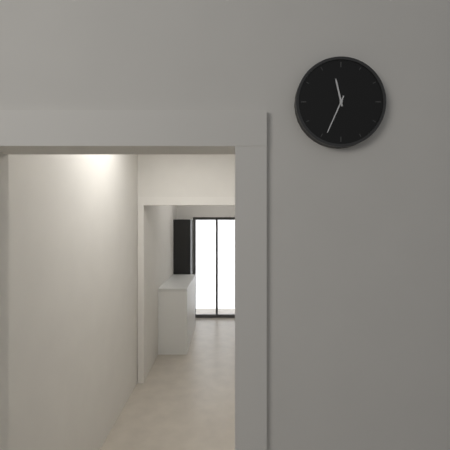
11:34
